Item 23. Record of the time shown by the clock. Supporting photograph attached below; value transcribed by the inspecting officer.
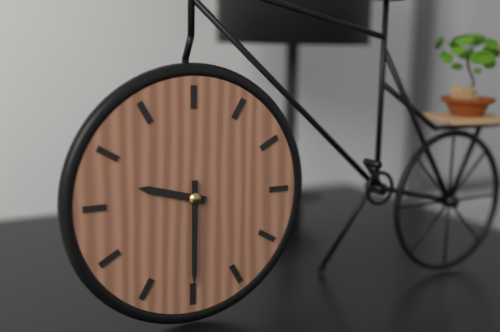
9:30
